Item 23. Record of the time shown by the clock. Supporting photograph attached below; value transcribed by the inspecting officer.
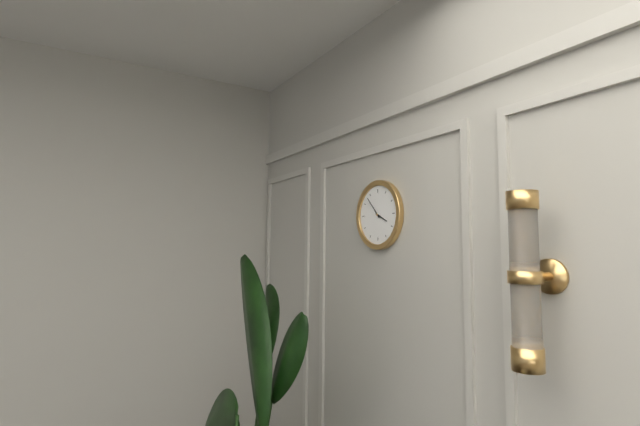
3:53
